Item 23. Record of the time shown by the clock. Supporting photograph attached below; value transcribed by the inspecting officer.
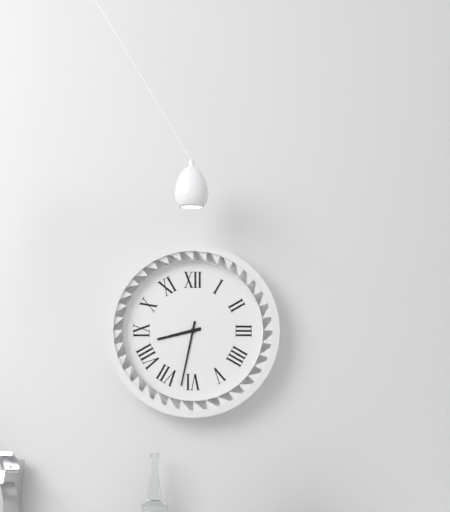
8:32
